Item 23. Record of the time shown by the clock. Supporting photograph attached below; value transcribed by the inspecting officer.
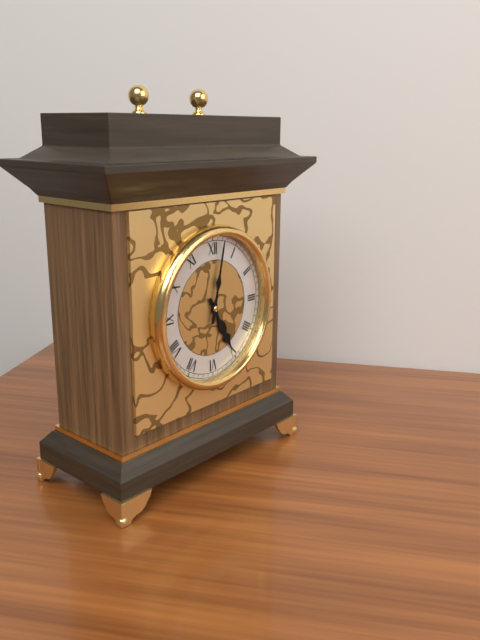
5:02
